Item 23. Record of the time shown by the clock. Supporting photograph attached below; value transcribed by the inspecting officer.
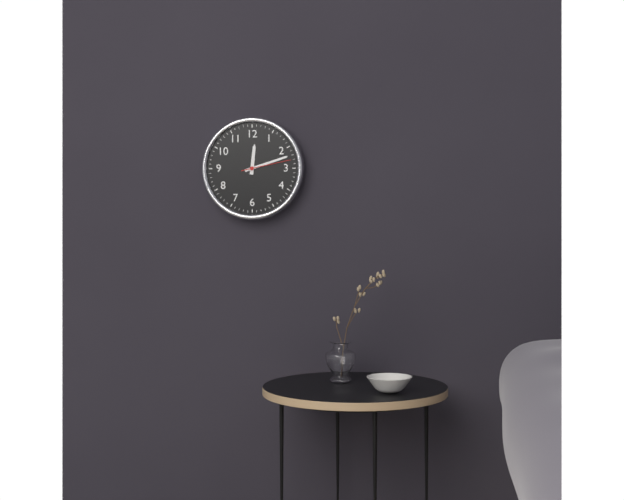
12:12:13
